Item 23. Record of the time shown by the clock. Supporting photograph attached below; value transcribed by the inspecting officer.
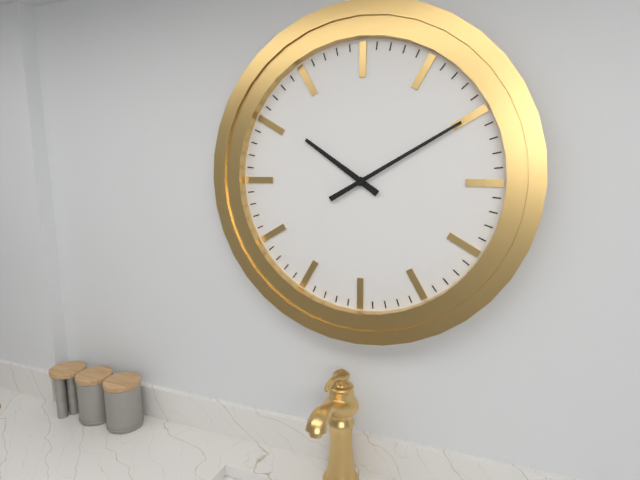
10:10
